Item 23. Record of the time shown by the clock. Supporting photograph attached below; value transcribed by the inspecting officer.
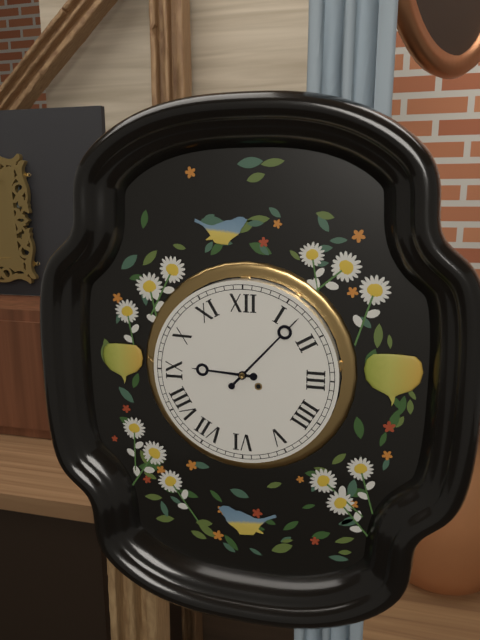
9:07
